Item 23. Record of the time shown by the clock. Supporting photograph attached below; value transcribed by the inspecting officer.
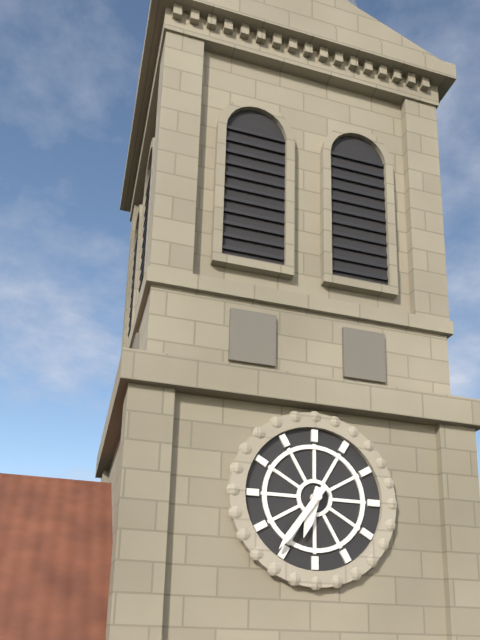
6:36
